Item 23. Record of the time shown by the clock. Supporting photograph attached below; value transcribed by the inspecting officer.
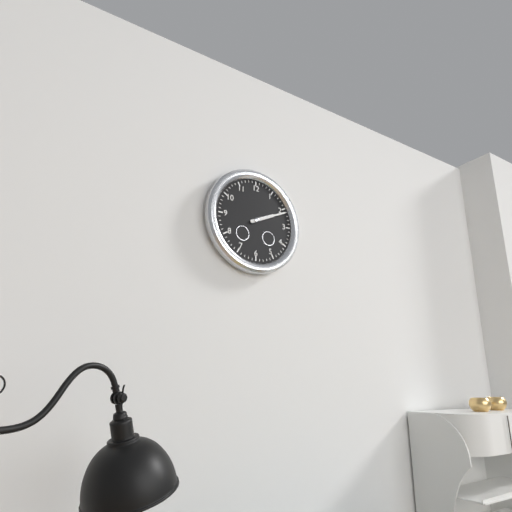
2:11
